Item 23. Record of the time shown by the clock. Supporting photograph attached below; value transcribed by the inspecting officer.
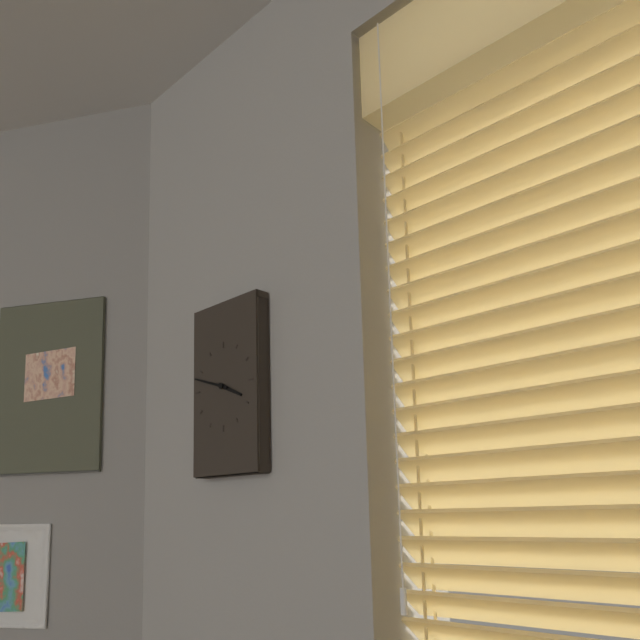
3:48
